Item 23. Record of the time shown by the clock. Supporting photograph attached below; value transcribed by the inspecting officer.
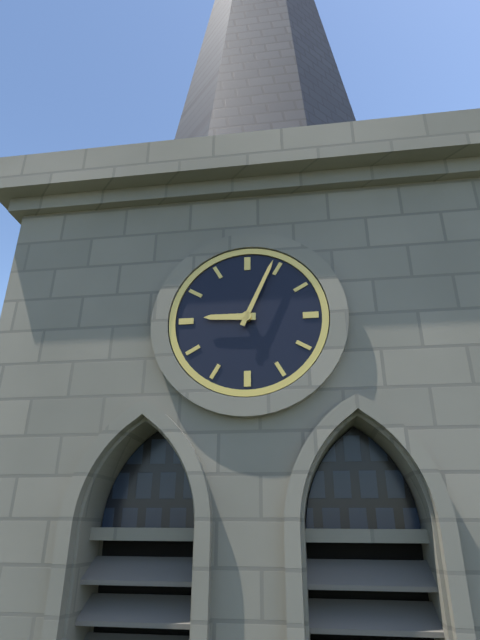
9:04
